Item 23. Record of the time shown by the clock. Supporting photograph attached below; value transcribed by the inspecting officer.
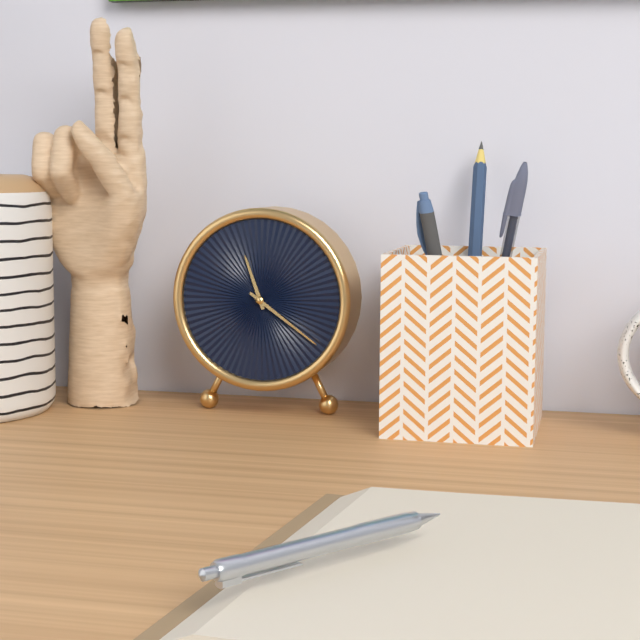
11:21
